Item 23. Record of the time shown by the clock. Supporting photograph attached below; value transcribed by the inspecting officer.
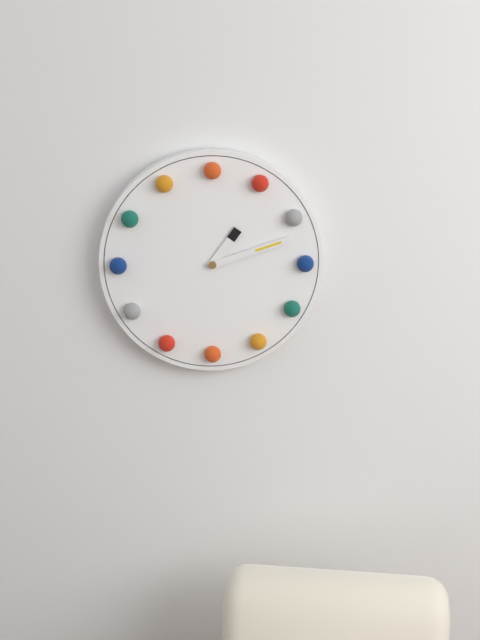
1:12
